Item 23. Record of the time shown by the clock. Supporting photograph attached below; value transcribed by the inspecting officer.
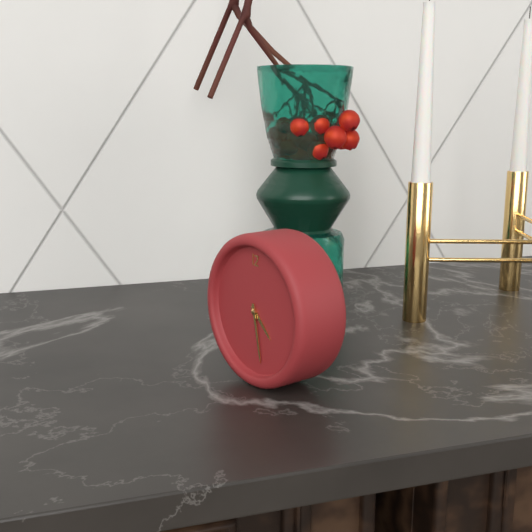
4:28
